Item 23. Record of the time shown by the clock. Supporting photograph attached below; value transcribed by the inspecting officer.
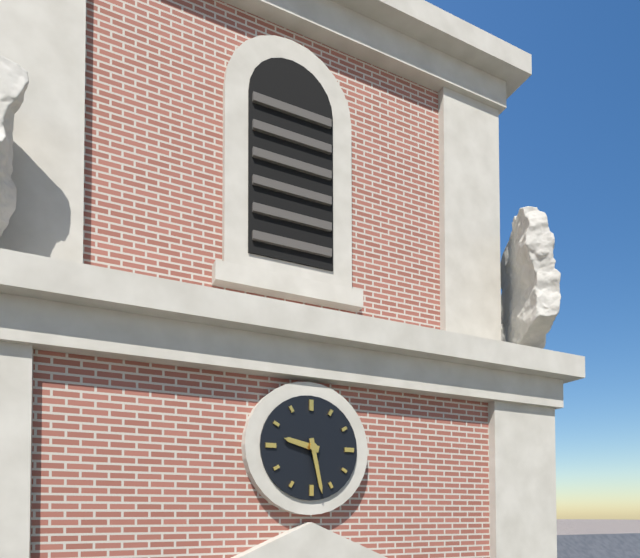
9:28
